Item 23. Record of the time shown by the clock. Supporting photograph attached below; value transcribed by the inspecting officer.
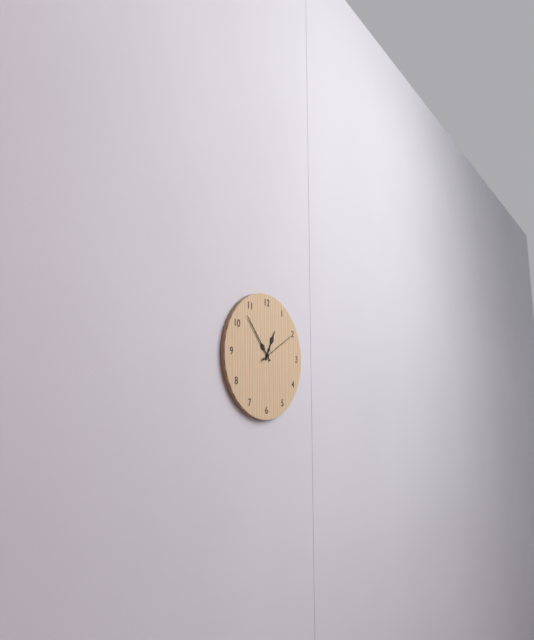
12:53
